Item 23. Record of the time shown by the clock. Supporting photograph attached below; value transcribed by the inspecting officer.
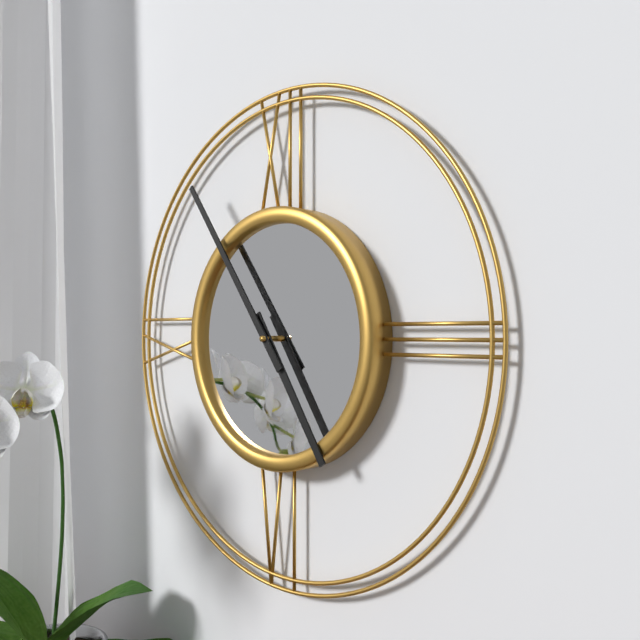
4:54
